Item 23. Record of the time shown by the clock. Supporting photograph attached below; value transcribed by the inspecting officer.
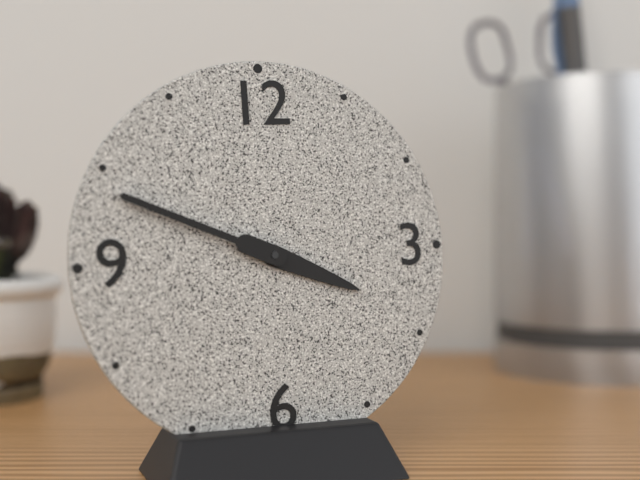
3:49
